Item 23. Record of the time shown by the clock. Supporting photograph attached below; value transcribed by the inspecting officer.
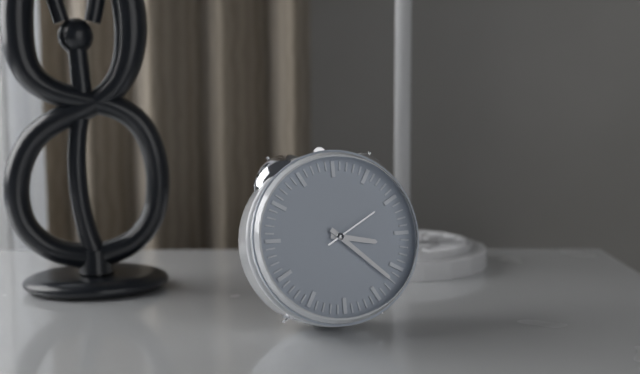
3:22:10
